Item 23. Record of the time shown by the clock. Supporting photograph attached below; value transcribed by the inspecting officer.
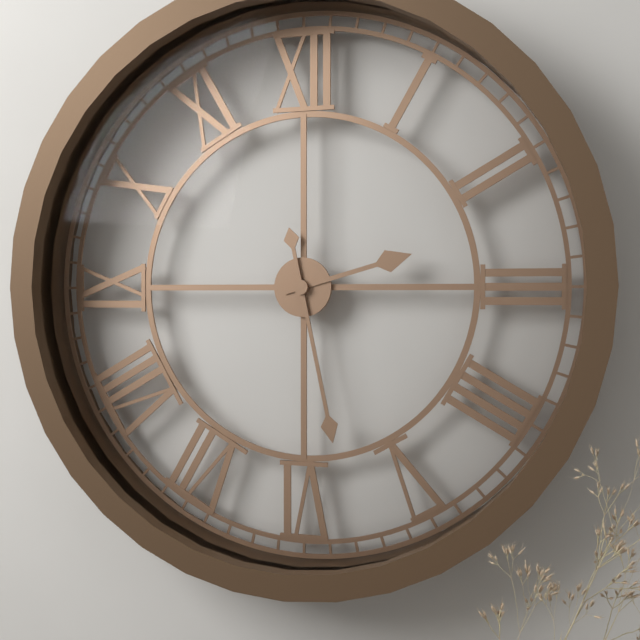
2:28
